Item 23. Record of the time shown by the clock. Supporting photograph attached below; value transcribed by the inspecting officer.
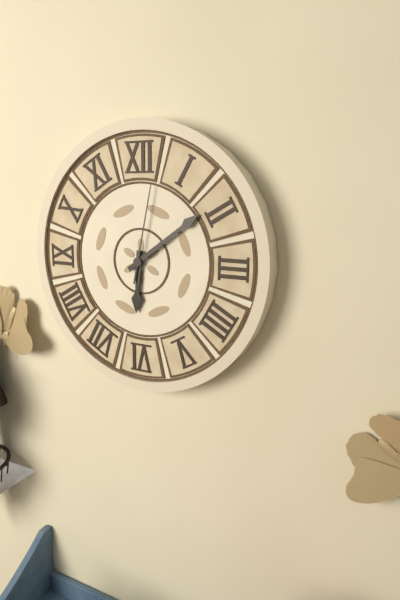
6:09:02
